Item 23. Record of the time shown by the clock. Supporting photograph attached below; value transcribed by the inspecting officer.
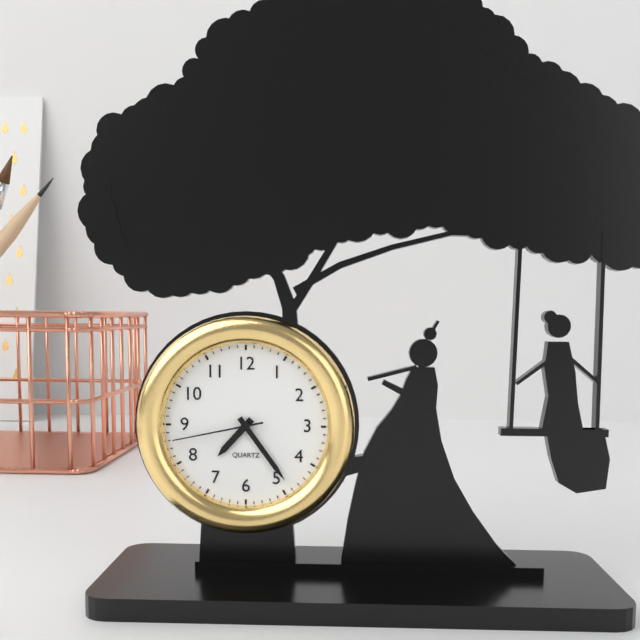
7:24:43
